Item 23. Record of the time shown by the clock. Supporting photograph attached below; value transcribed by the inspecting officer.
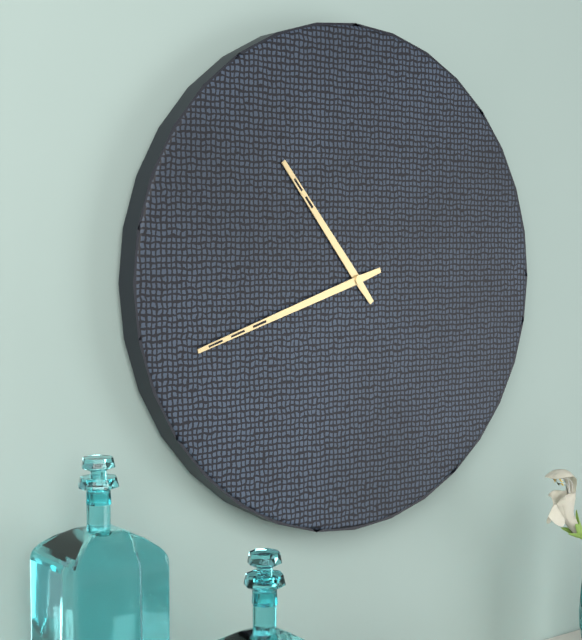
10:42
